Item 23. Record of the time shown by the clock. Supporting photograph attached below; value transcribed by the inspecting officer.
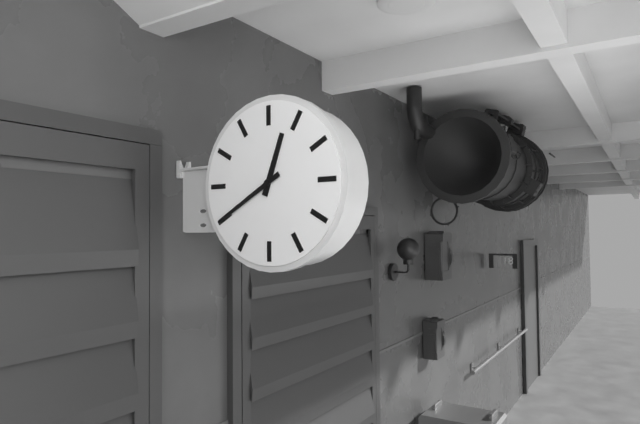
12:40
